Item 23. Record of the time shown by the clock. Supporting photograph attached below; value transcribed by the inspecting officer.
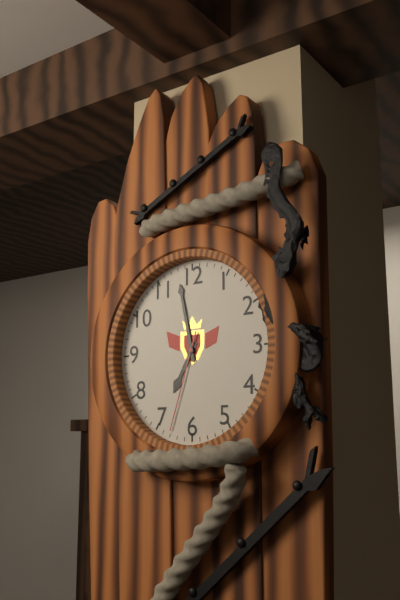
6:58:33
